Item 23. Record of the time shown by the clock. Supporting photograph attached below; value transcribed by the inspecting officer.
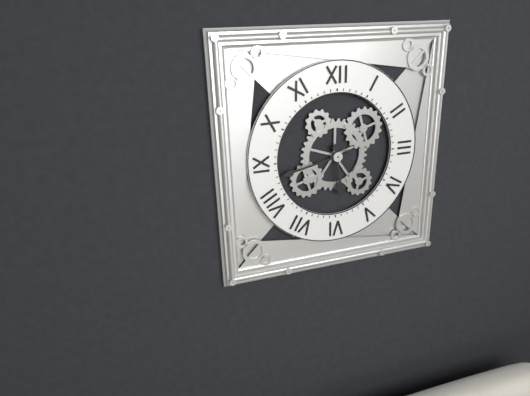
5:43
